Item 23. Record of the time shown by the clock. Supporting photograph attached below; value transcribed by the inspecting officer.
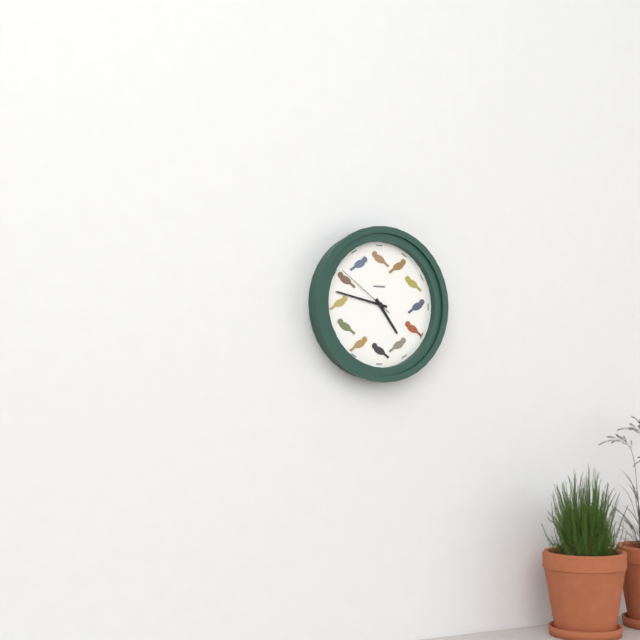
4:47:51
